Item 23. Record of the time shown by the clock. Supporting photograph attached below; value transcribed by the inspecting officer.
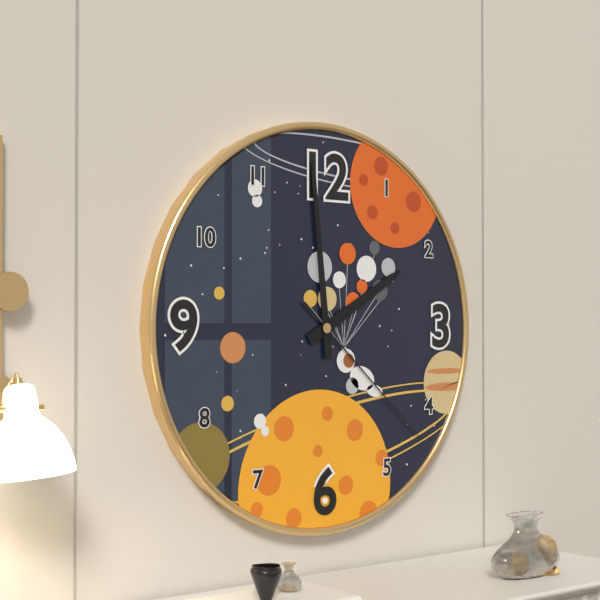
1:59:22
